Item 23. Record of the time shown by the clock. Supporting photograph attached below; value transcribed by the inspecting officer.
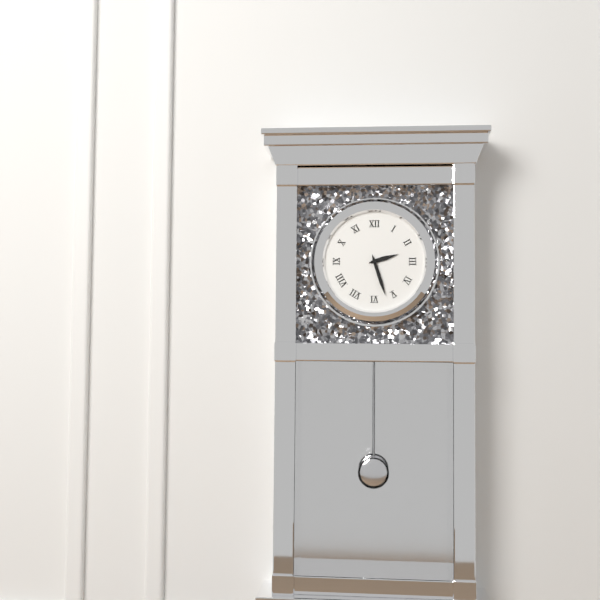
2:27
